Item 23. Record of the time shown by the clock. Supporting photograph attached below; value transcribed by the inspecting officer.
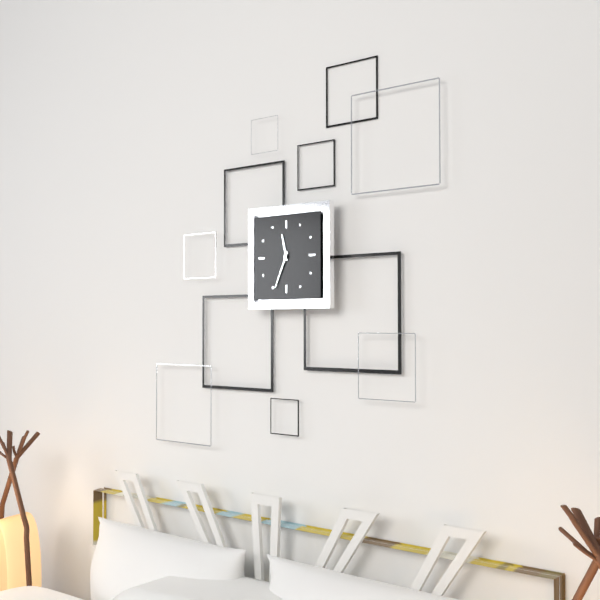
11:34
